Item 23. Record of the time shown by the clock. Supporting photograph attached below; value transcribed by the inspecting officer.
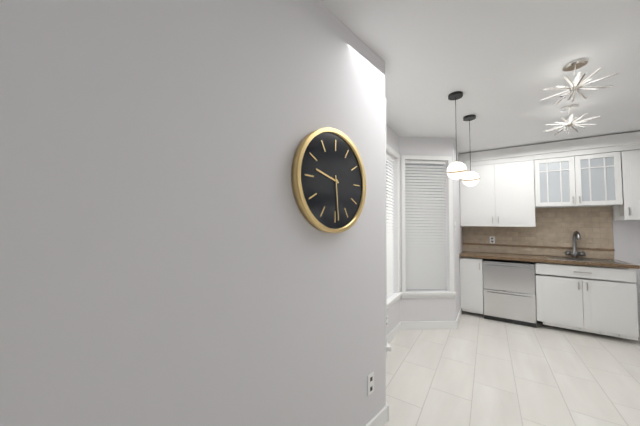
9:29
